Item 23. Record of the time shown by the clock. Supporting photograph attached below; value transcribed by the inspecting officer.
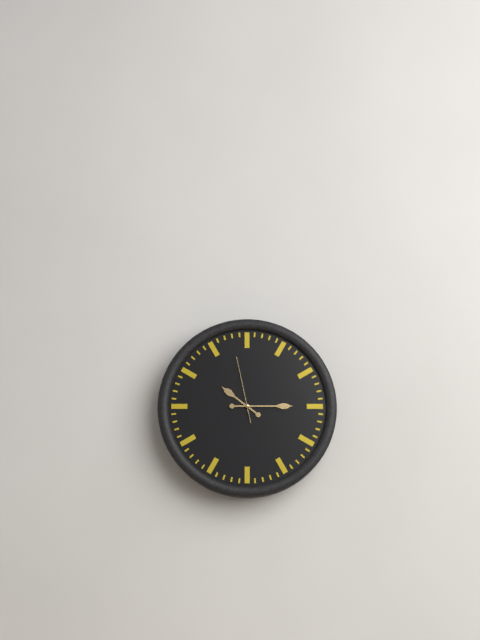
10:15:58
